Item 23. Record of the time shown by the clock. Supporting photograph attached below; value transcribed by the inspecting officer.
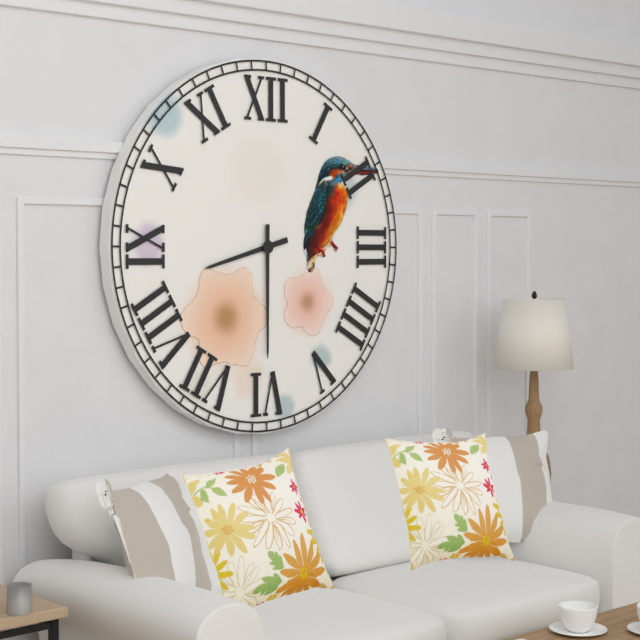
8:30
